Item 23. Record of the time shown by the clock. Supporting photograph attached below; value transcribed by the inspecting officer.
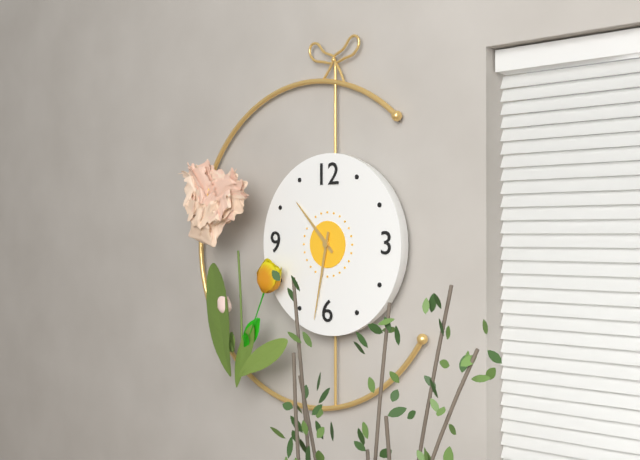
10:32
